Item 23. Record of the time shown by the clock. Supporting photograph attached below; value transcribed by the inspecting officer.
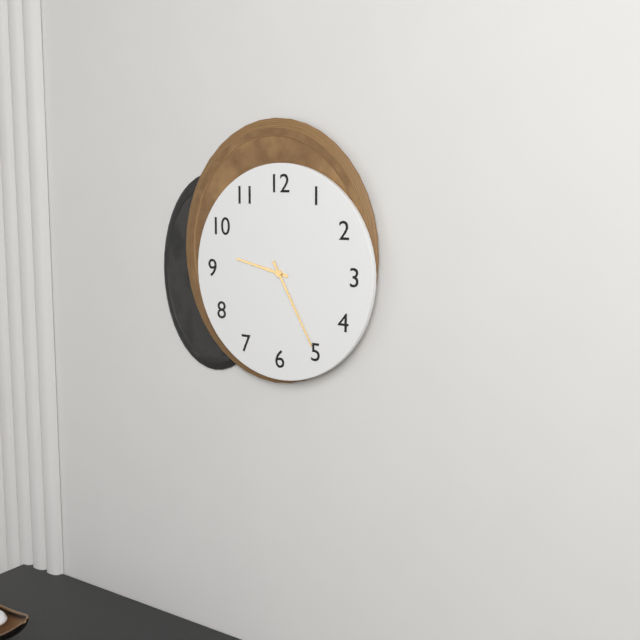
9:25
